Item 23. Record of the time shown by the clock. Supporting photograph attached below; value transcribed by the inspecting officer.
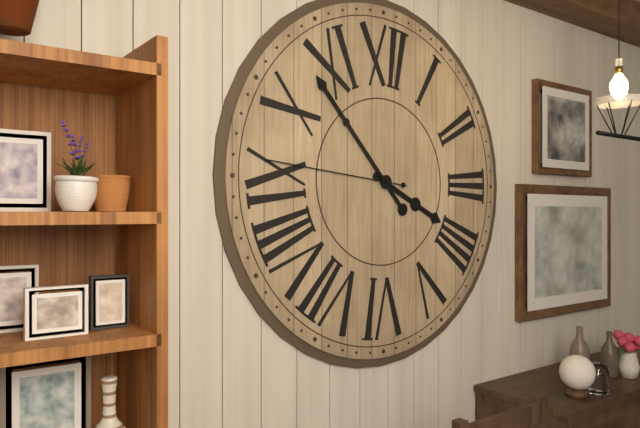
3:53:46
